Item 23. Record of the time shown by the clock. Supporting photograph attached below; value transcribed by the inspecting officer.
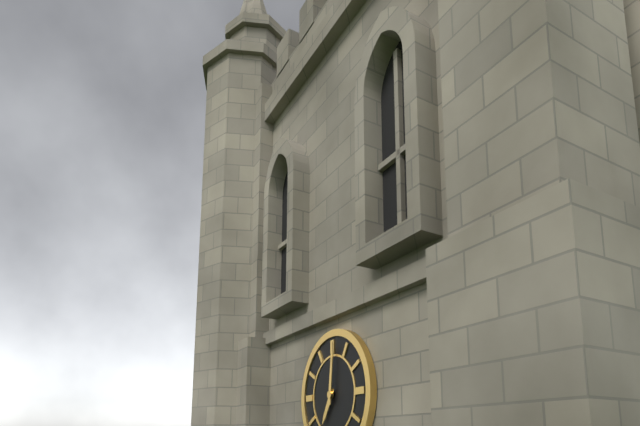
7:01
